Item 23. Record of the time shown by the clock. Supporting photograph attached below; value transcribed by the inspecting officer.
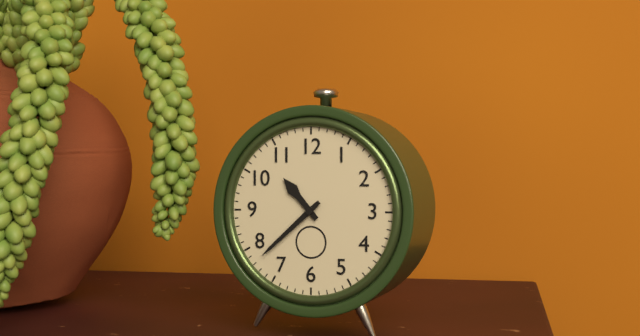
10:38
